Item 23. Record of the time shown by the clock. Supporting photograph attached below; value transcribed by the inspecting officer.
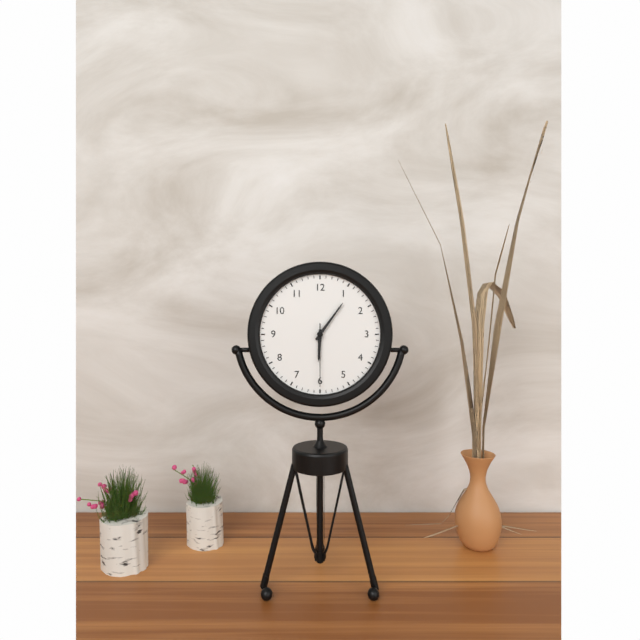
6:06:30
